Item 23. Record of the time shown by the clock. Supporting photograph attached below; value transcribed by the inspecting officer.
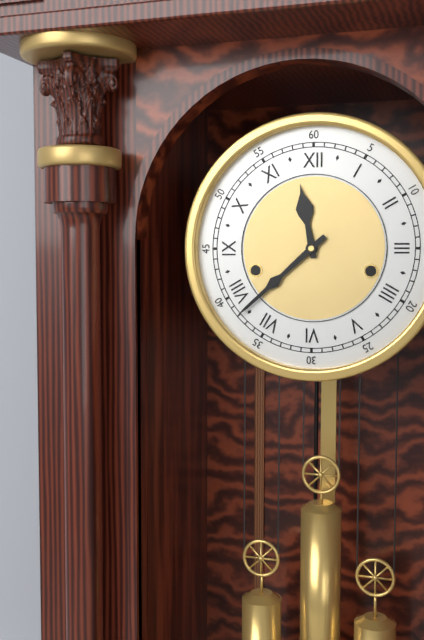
11:38
